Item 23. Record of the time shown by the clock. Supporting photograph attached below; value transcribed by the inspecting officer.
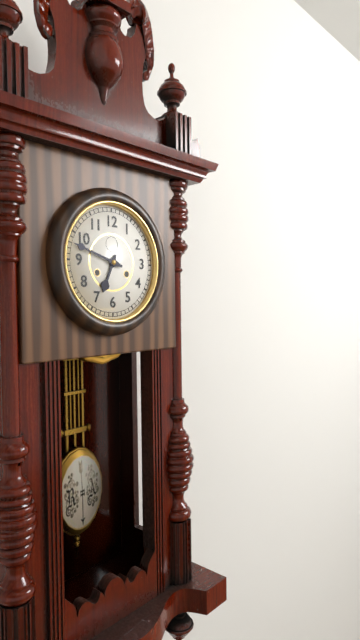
6:48
